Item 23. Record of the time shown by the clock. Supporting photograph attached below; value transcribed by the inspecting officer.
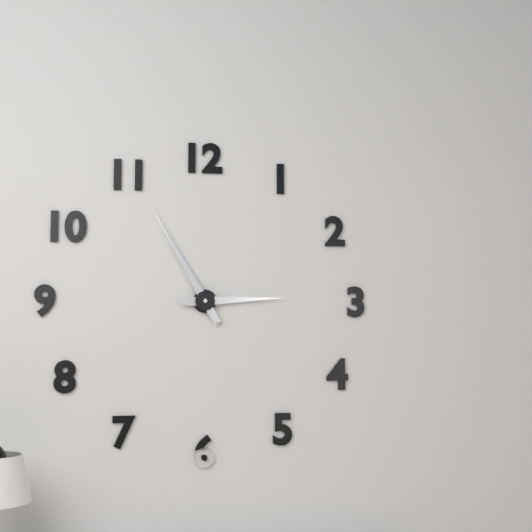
2:55
